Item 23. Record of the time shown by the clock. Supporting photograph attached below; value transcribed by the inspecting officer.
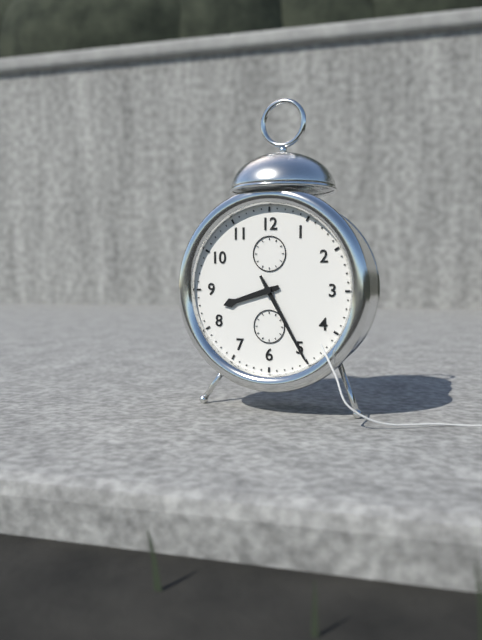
8:25
